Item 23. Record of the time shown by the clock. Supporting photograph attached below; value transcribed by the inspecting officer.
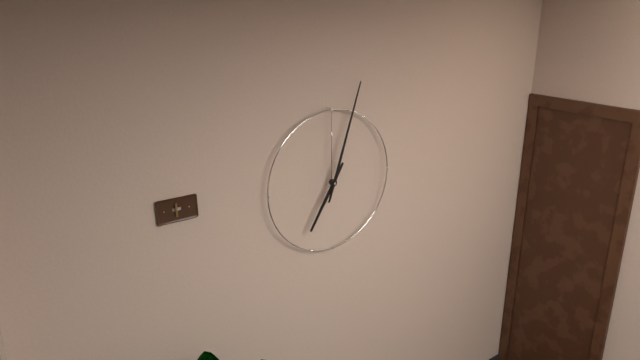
7:03
